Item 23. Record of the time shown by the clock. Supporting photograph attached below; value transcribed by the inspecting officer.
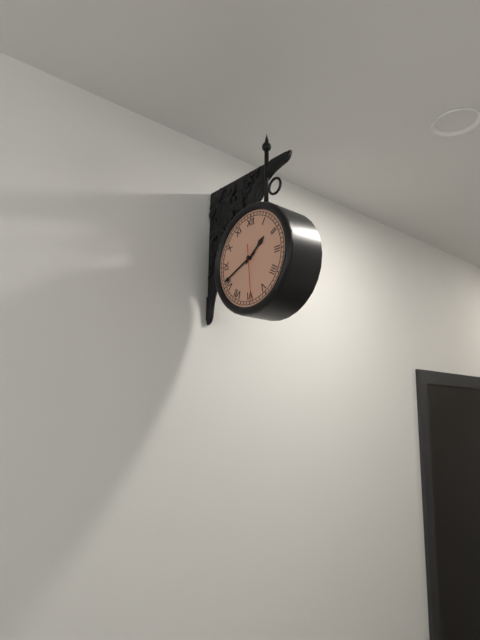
1:41:29
